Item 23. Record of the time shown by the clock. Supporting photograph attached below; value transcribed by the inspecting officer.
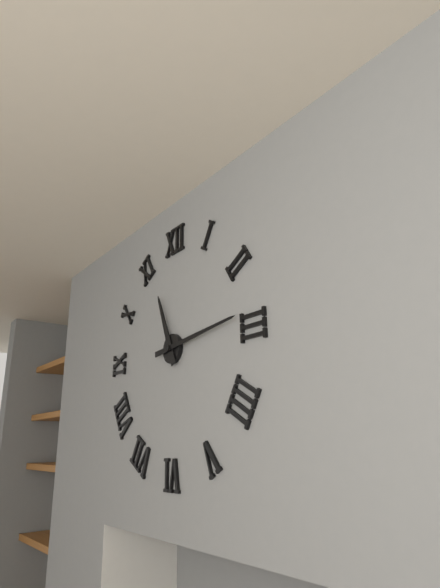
11:14
